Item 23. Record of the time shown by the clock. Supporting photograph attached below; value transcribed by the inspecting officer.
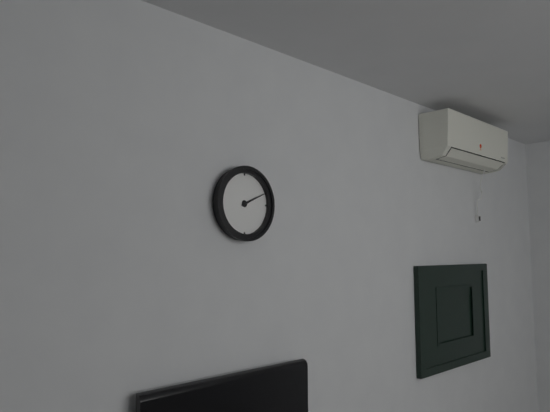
2:11
